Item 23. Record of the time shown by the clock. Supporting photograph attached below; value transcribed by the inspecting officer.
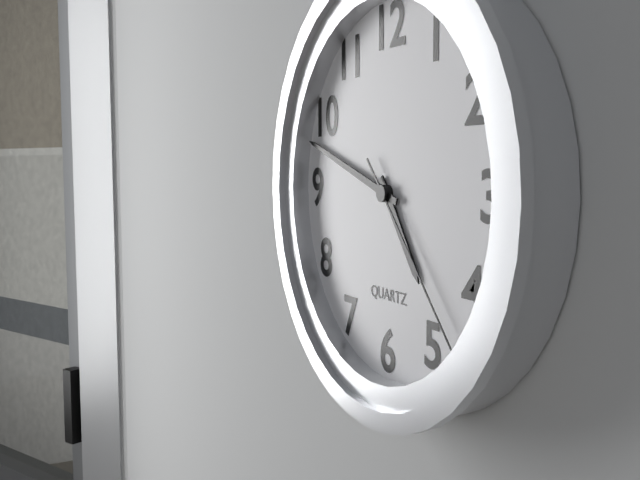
4:48:23
